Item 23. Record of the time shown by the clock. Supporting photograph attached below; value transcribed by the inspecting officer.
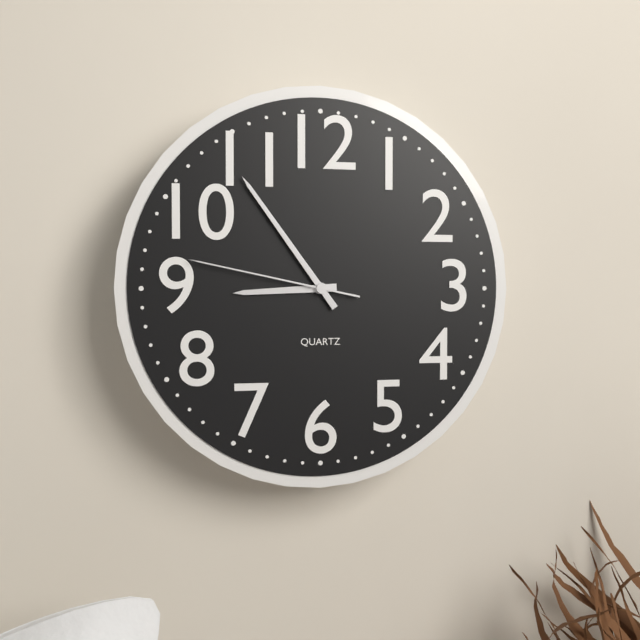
8:54:47
